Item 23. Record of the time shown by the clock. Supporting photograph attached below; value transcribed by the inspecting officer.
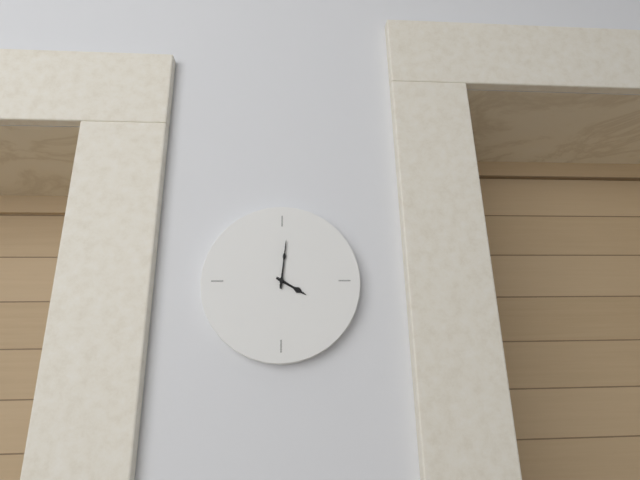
4:01
